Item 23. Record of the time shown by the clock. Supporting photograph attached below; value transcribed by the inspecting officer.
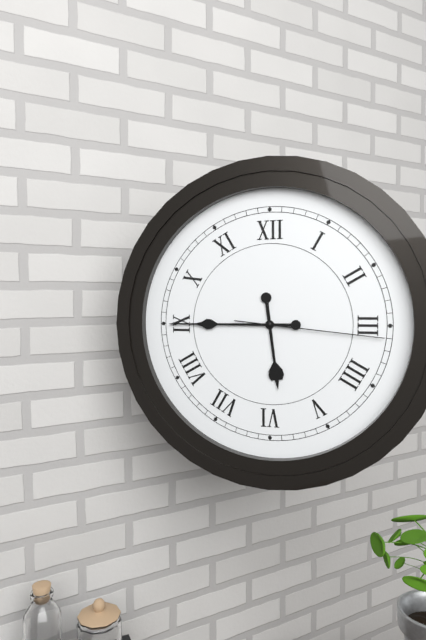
5:45:16
